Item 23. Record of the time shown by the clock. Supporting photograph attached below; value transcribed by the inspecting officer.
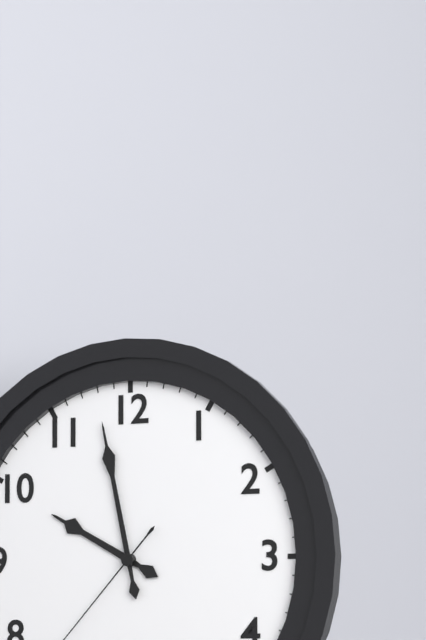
9:58
